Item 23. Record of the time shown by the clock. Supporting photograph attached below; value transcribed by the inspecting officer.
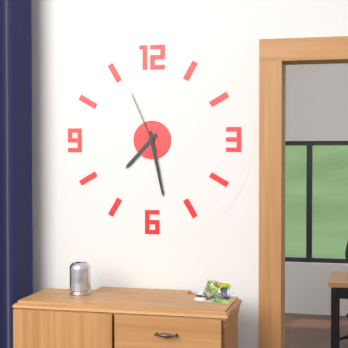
7:28:56
